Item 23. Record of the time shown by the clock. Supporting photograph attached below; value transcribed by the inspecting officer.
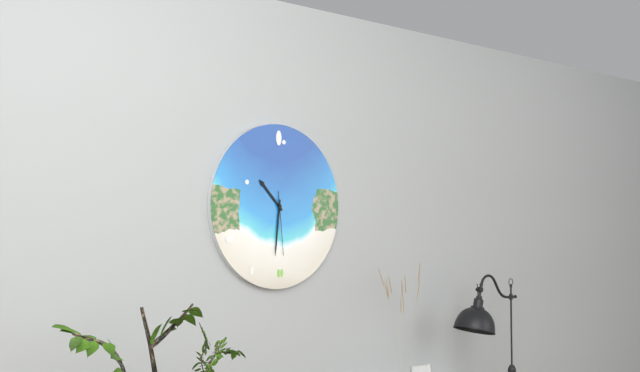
10:31:29
